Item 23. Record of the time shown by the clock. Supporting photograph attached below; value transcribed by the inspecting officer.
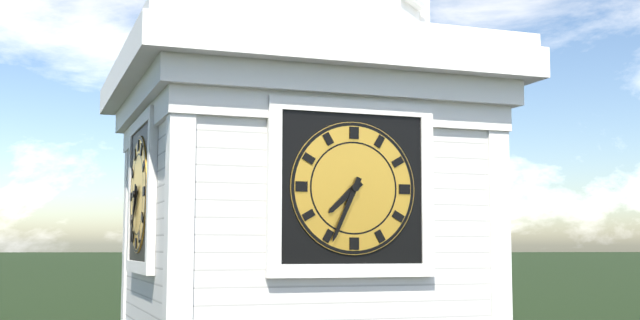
7:34
